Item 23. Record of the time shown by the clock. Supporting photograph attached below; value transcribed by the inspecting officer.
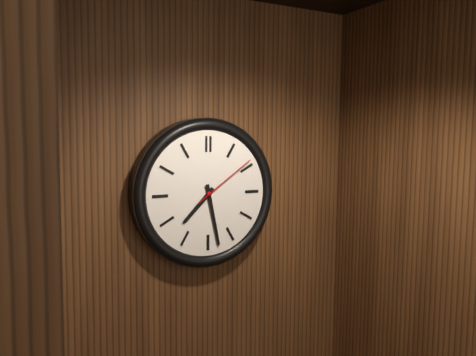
7:28:09
